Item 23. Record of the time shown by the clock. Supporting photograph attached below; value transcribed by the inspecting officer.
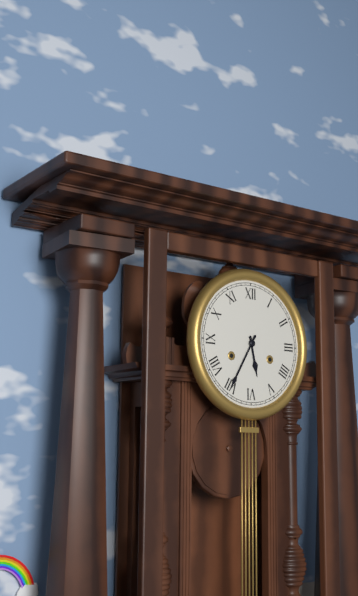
5:35
